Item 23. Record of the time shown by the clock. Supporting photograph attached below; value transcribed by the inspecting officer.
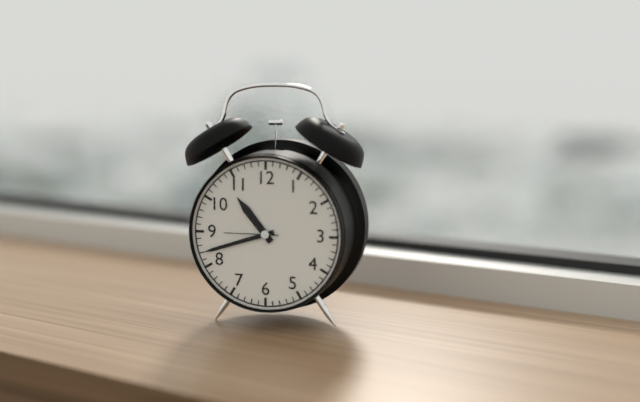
10:42:45
